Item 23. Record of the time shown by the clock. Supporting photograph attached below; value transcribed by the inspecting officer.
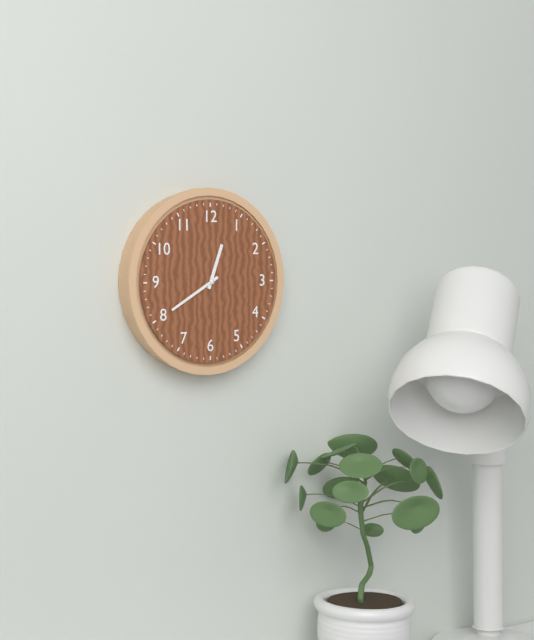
12:40
